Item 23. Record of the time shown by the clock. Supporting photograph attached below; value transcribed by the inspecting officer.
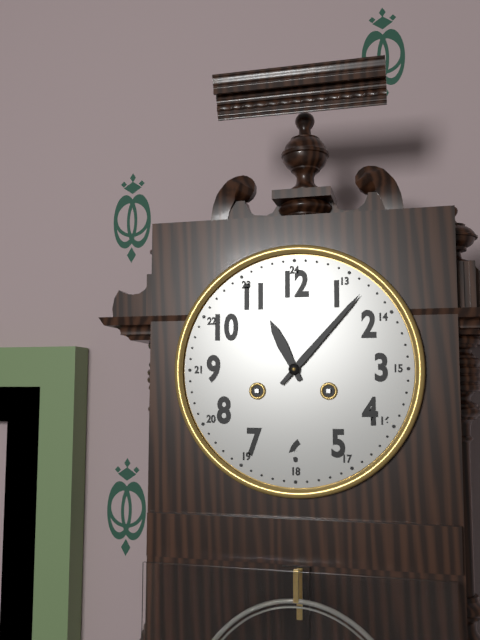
11:07
